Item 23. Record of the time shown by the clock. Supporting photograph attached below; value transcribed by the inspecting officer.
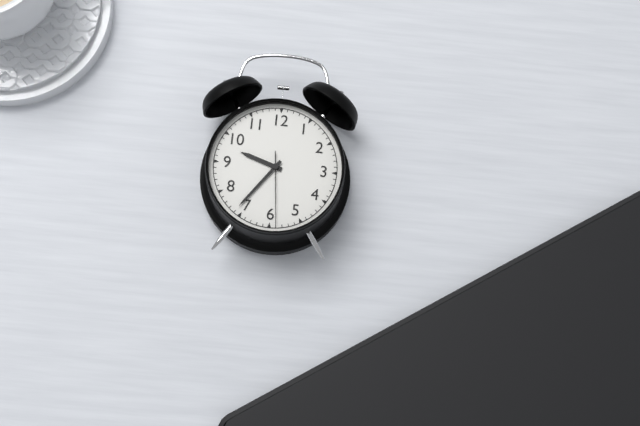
9:36:29
